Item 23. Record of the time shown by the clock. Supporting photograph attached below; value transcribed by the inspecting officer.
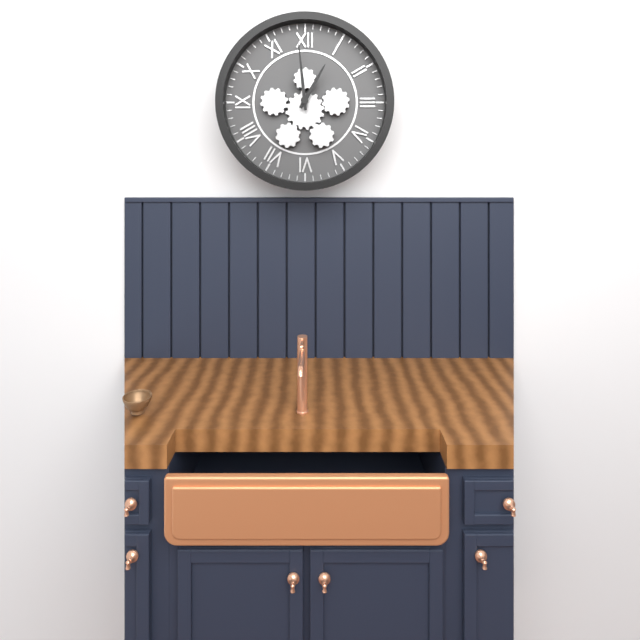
12:59
